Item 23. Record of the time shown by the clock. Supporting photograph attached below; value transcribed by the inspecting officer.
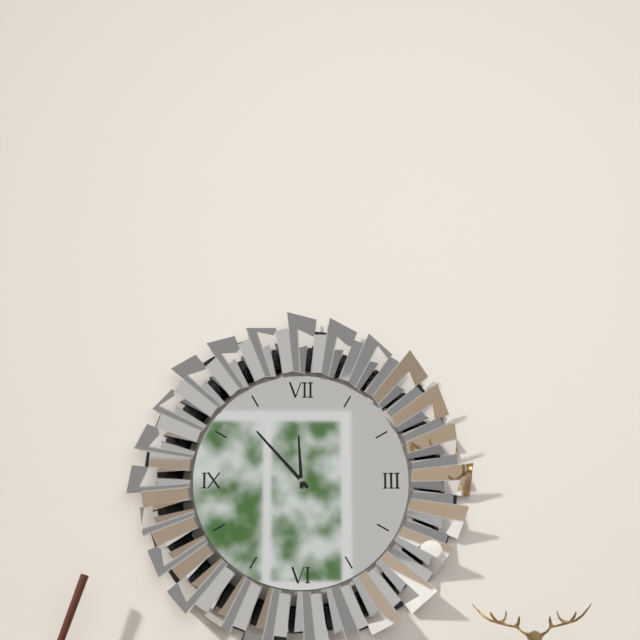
11:53
